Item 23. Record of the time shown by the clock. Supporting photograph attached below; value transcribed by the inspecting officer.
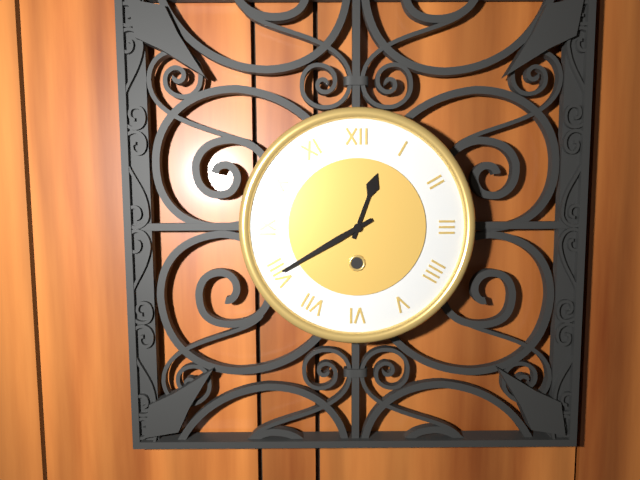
12:40
